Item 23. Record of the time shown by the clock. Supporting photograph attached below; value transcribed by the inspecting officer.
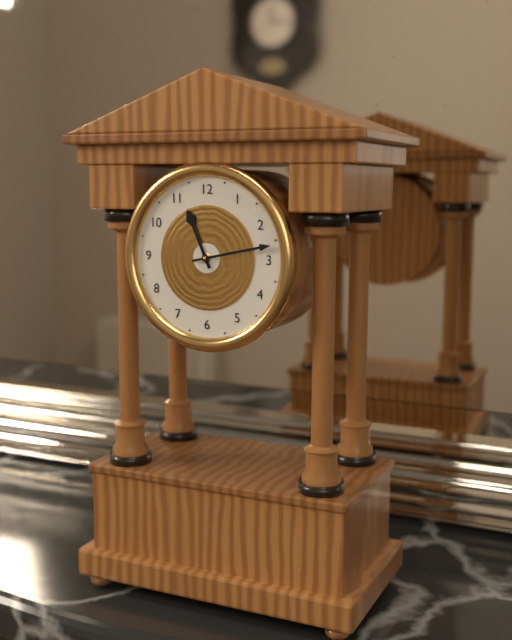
11:13
